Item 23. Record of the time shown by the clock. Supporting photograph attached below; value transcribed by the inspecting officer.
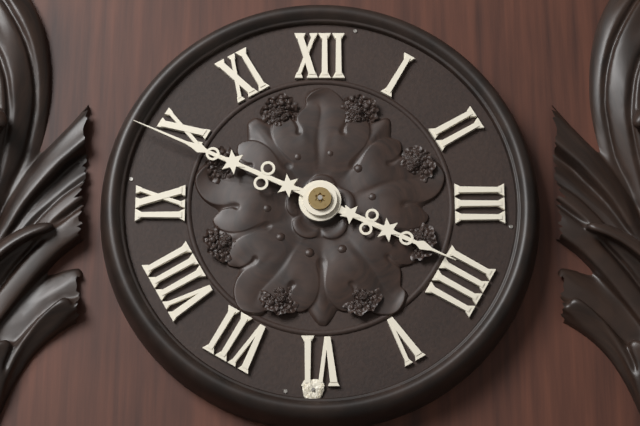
3:49
